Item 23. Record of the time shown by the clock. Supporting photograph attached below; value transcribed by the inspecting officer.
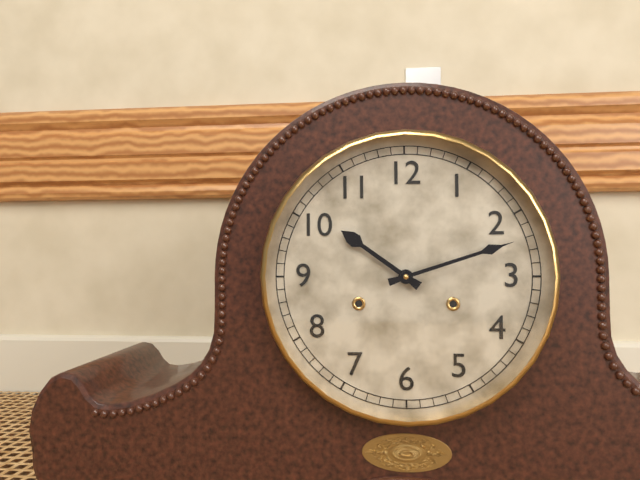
10:12
